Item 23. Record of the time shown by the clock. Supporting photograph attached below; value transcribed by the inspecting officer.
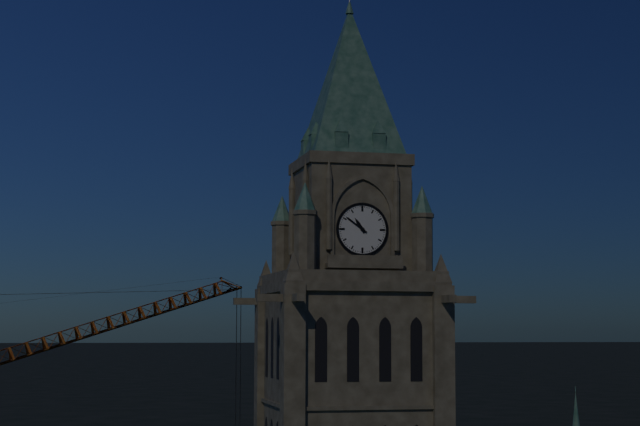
10:51
